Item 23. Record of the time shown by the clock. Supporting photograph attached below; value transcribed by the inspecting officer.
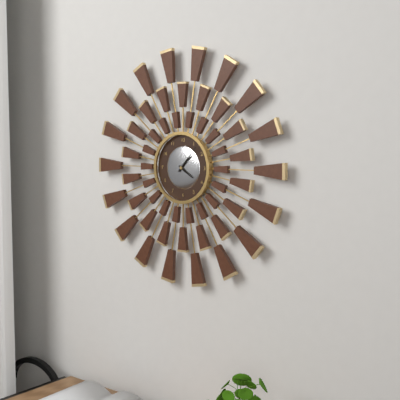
4:07
